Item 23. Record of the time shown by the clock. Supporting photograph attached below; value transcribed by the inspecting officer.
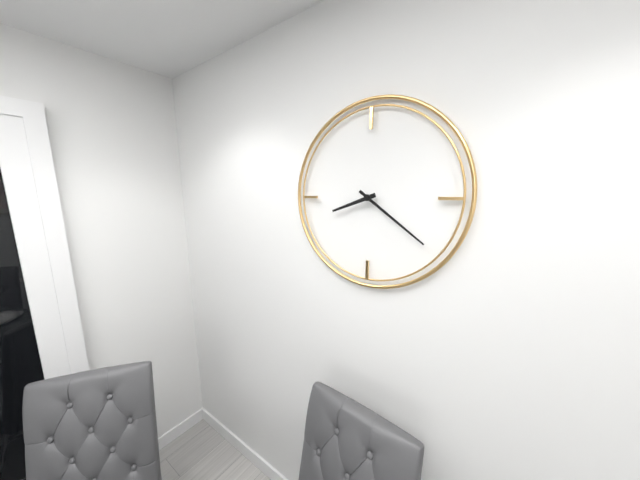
8:21
